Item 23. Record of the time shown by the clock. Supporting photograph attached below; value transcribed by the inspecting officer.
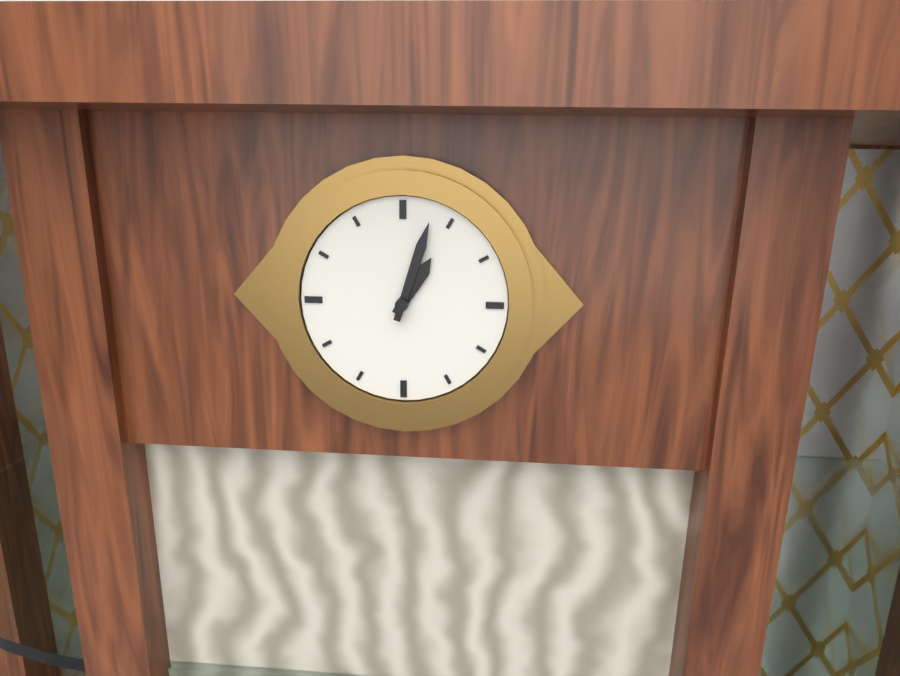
1:03
